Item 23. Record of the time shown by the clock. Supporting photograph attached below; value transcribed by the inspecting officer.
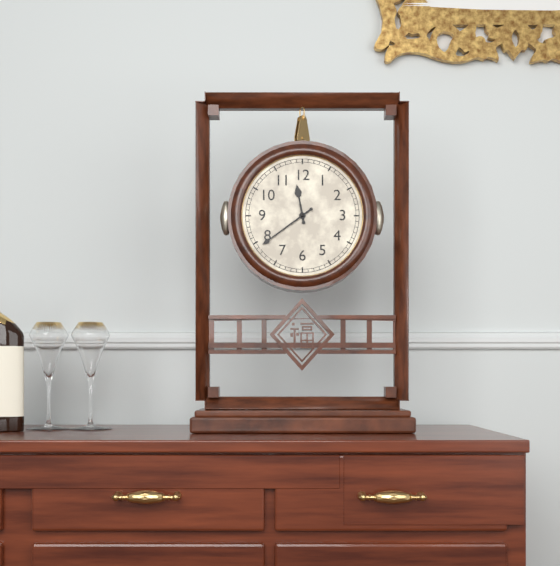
11:39
